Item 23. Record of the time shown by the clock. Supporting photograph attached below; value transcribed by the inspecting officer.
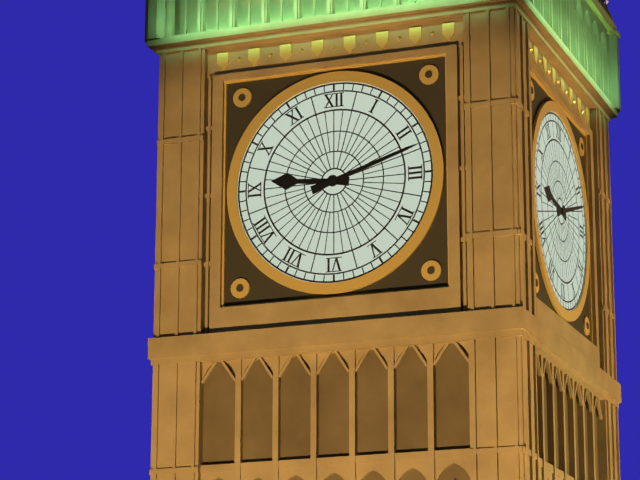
9:12
